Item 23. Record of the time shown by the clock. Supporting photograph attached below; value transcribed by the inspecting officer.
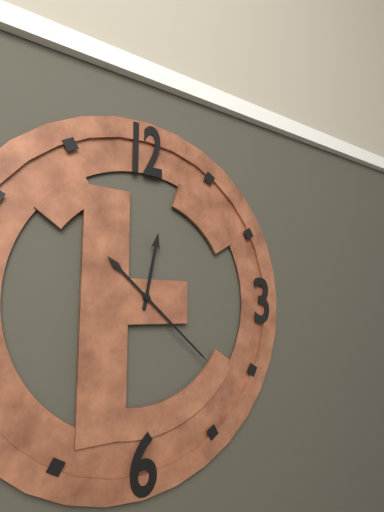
12:22
